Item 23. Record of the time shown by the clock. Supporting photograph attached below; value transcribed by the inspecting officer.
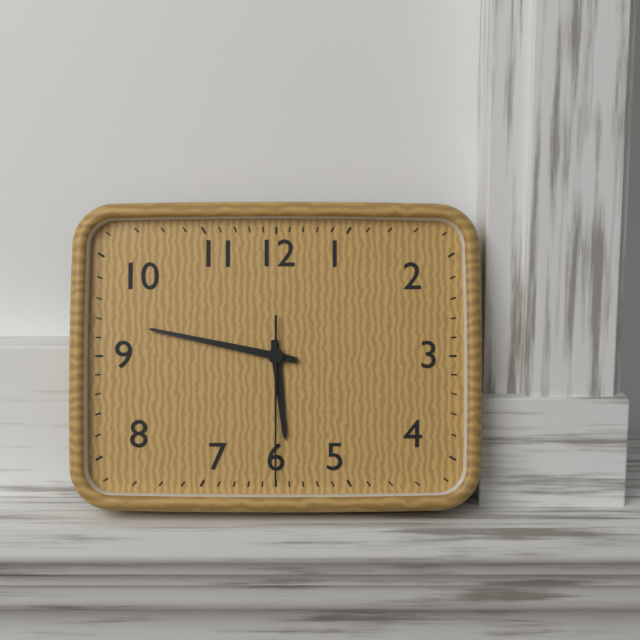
5:47:30
